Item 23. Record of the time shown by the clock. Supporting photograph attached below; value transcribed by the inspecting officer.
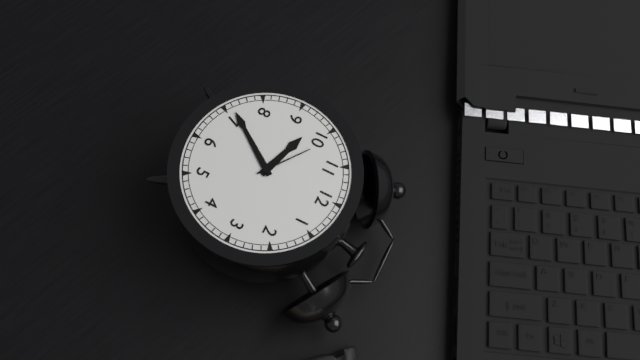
9:36:51
